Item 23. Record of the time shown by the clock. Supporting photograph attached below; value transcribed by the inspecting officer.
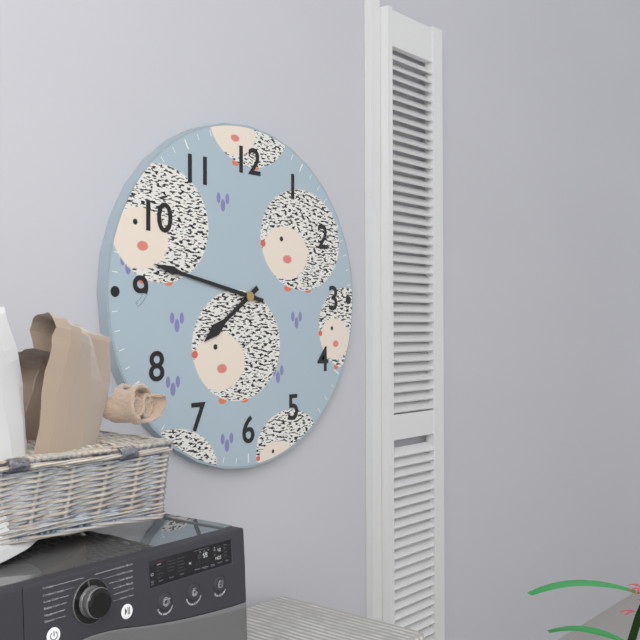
7:47
